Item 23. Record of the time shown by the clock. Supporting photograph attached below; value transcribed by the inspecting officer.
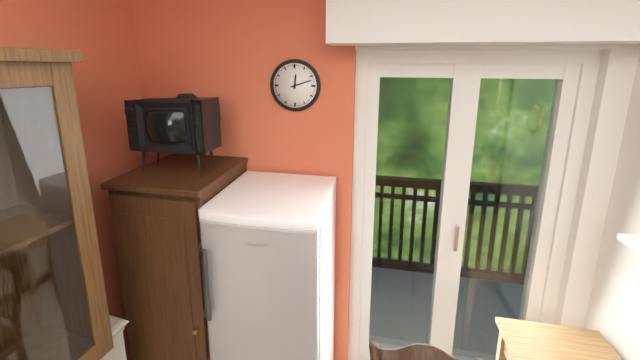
12:12
